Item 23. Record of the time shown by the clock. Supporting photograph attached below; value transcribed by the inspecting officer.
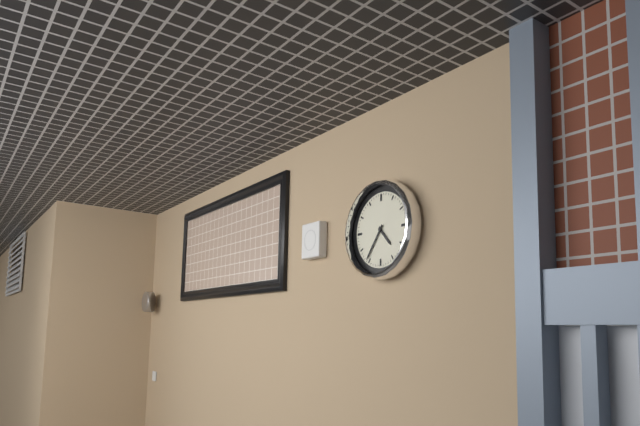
4:36
